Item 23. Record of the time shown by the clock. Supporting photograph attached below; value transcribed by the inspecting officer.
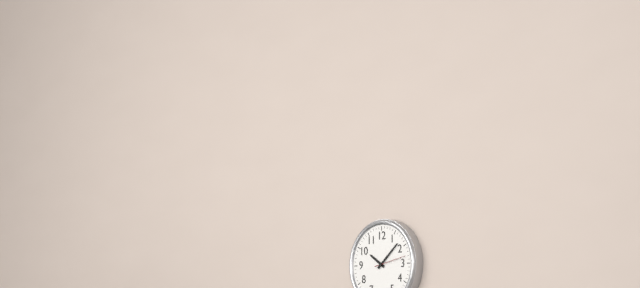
10:08
